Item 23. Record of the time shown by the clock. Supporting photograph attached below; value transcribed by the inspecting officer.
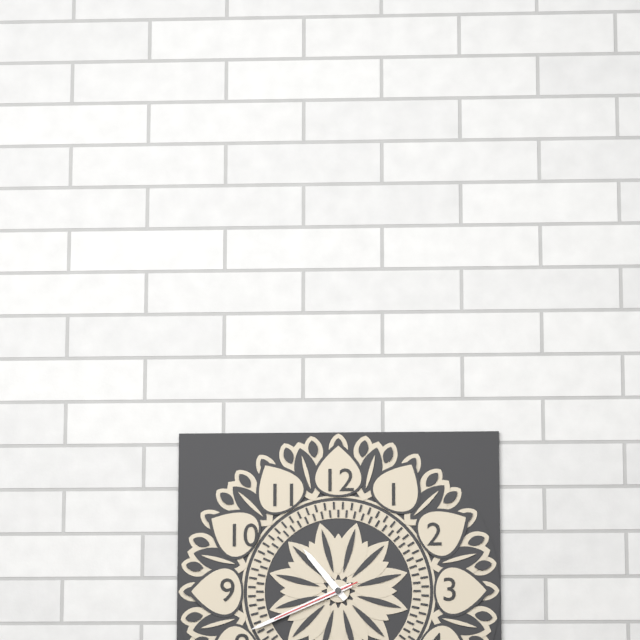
10:41:41
